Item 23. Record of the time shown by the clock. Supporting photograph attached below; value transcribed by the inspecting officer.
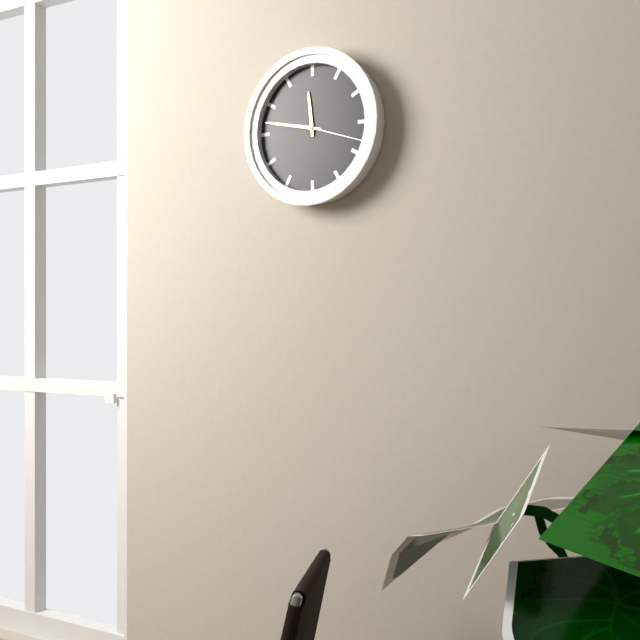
11:47:18
